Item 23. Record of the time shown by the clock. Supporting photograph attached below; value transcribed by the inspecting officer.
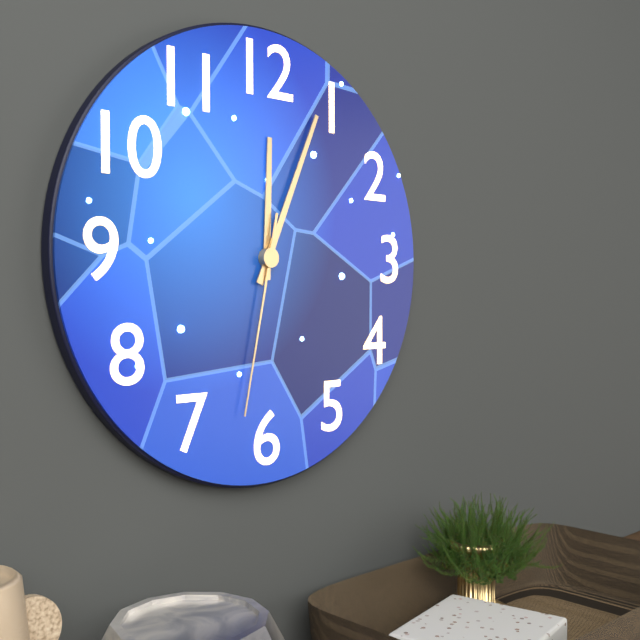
12:04:32
